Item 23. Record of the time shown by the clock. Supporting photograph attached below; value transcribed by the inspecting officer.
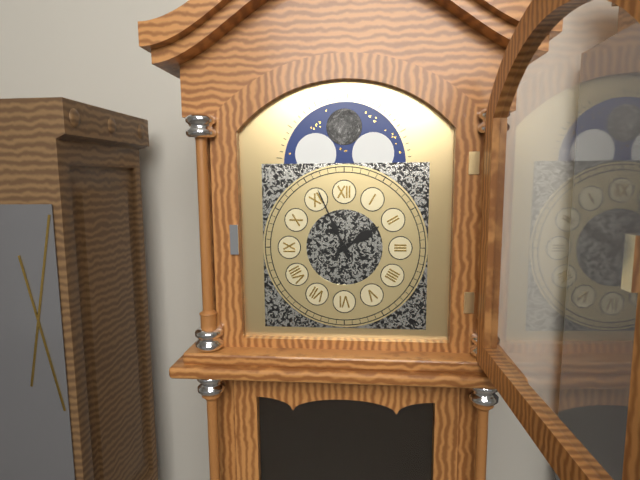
1:56
